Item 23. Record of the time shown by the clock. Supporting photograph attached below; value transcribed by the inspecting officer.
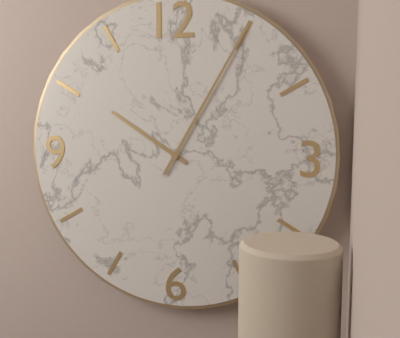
10:05
